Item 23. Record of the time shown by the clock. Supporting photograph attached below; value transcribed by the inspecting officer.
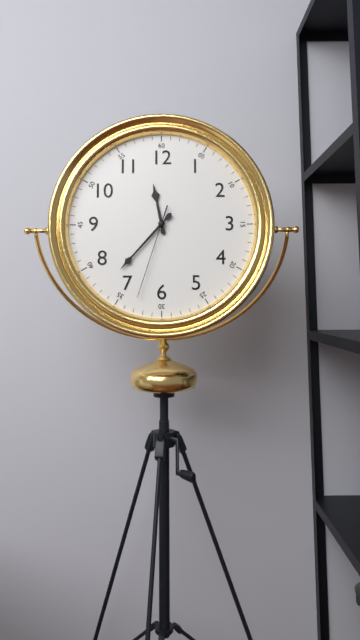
11:37:33
